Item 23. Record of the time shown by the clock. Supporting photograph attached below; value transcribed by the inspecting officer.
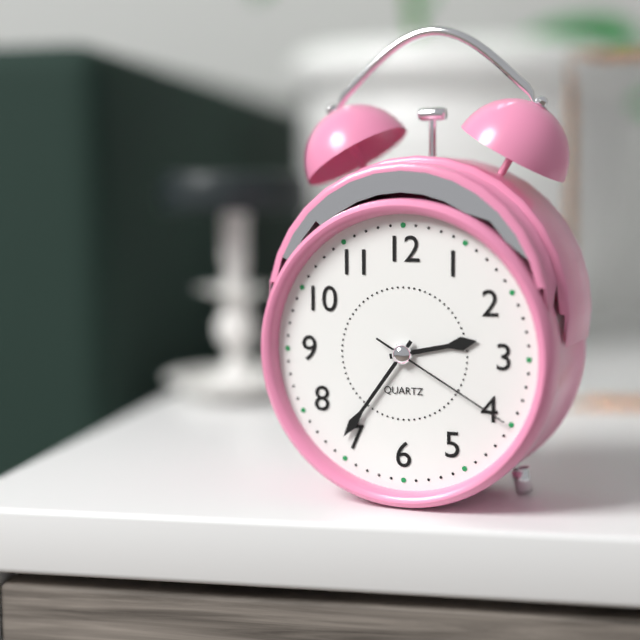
2:36:20
